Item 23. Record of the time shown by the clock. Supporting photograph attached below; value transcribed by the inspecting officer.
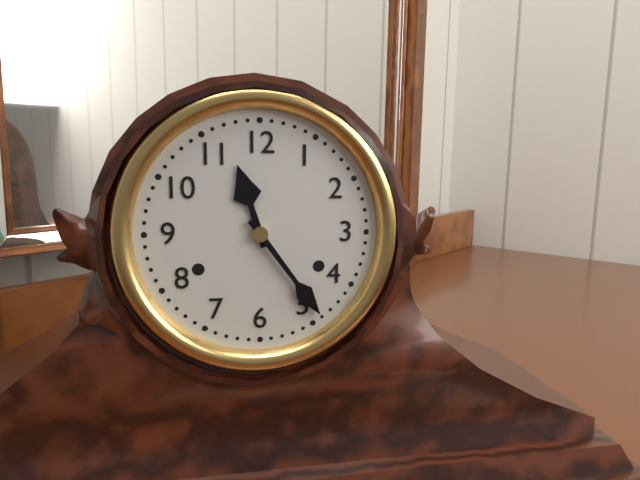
11:24
